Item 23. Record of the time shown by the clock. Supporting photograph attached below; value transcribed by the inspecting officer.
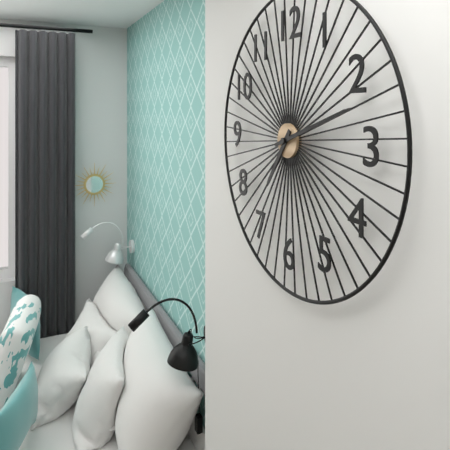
7:12
